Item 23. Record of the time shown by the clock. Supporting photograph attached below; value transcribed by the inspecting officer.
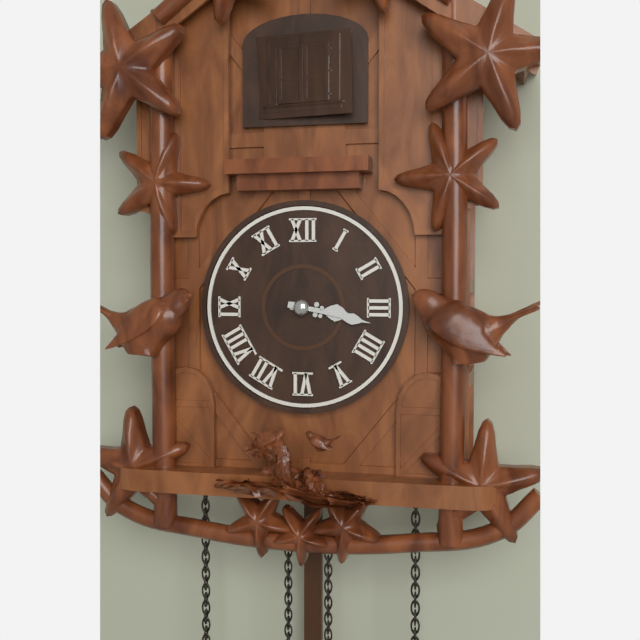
3:17
